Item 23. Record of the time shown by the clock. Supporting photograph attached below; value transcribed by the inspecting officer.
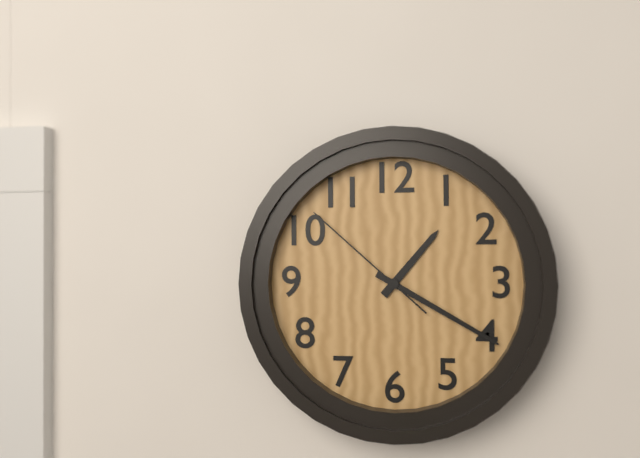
1:20:52
